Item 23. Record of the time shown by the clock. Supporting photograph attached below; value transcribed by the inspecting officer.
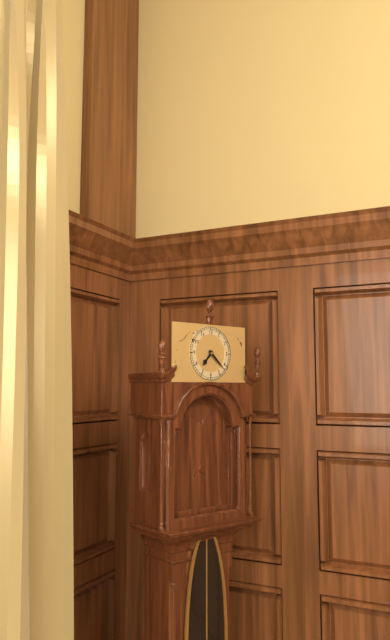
7:22
